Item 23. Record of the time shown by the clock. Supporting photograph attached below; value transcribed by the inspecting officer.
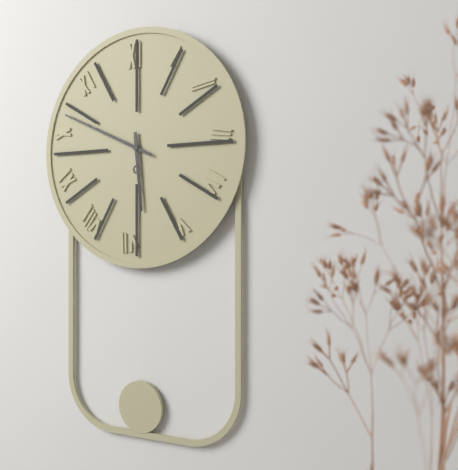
5:49
